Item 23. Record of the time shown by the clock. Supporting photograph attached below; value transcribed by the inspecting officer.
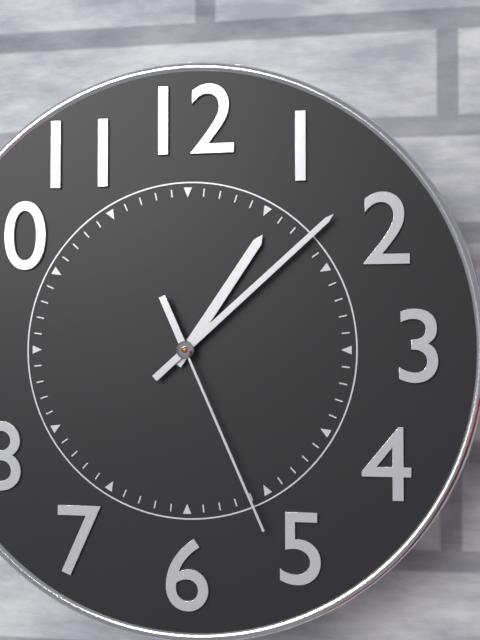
1:08:26
